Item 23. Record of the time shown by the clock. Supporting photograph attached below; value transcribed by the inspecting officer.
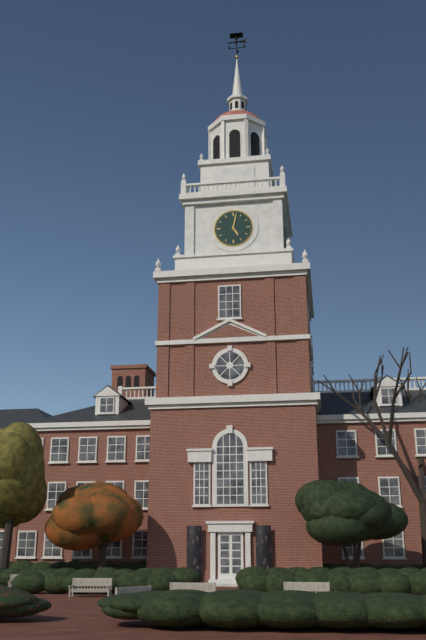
5:02
